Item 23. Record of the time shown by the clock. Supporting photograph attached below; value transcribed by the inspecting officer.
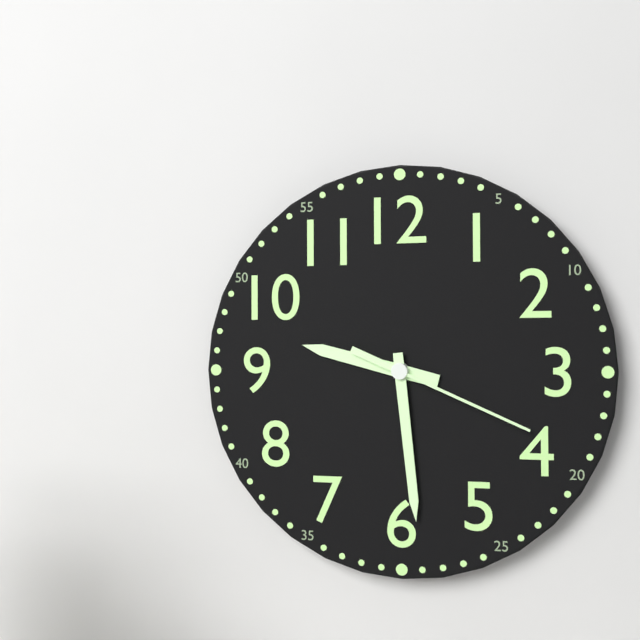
9:29:19
